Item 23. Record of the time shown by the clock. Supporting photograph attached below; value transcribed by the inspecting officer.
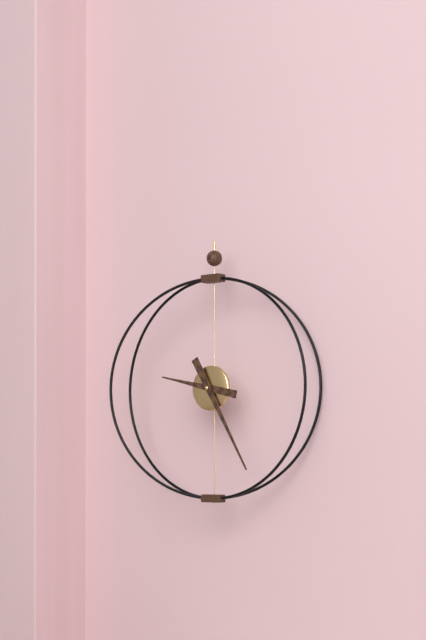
9:25
